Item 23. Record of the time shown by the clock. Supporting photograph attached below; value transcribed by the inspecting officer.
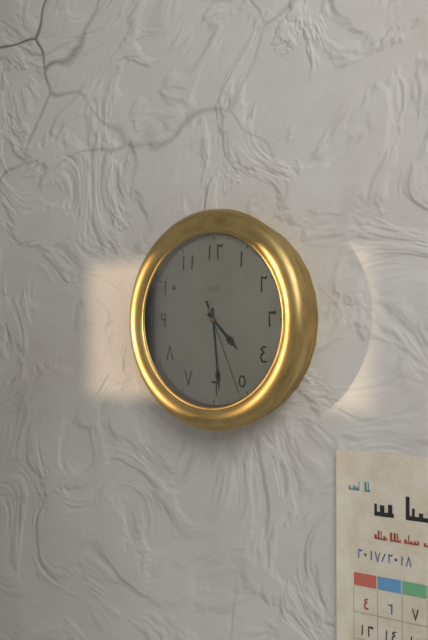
4:29:26
